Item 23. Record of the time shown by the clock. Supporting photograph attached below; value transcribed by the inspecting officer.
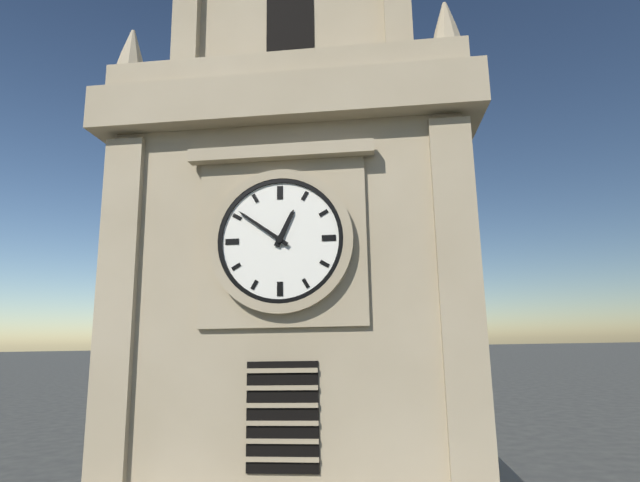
12:51
